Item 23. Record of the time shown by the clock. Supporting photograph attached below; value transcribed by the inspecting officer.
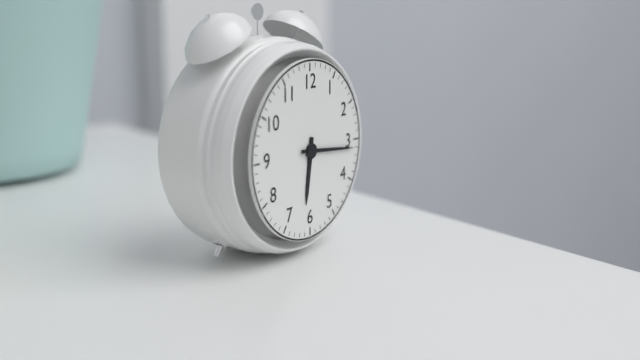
6:16
